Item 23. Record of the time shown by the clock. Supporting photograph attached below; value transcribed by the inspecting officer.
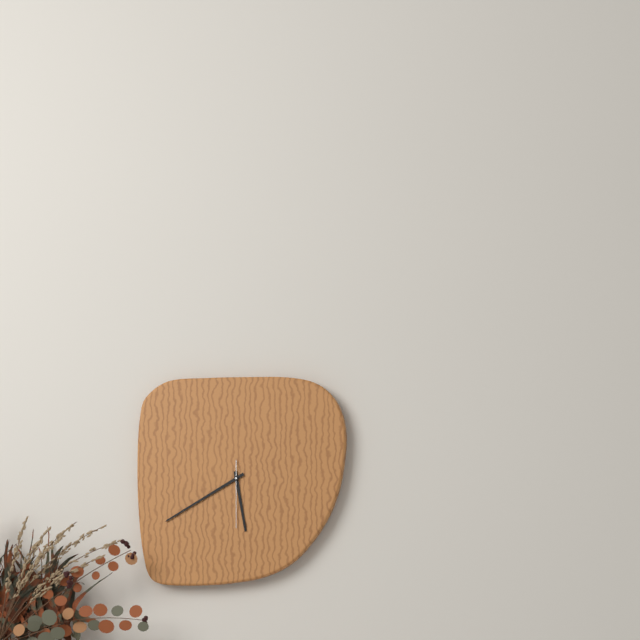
5:40:30
